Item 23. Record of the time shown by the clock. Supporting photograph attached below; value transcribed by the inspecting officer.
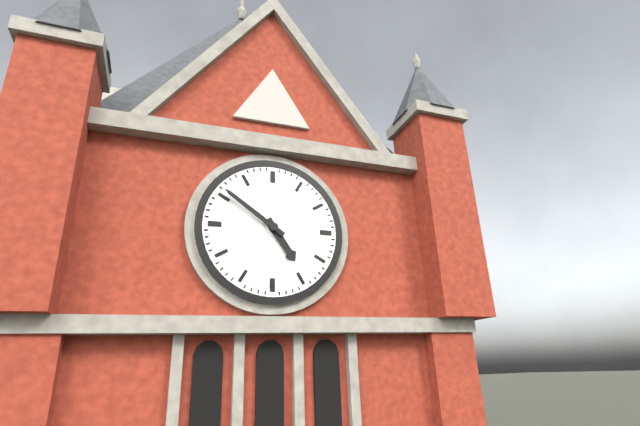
4:51
